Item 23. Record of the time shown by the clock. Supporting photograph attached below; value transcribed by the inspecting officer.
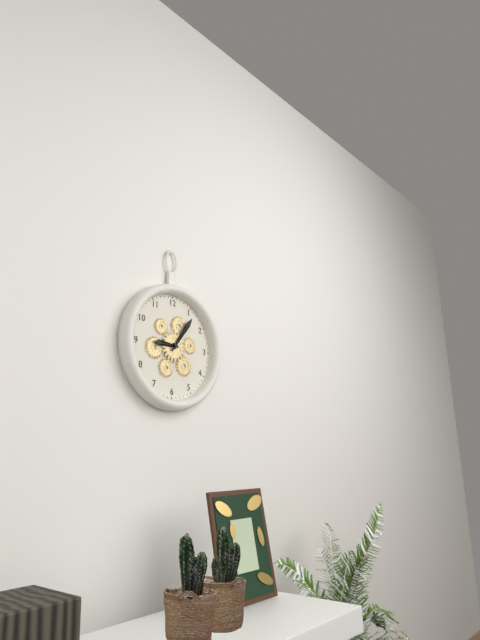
9:06
